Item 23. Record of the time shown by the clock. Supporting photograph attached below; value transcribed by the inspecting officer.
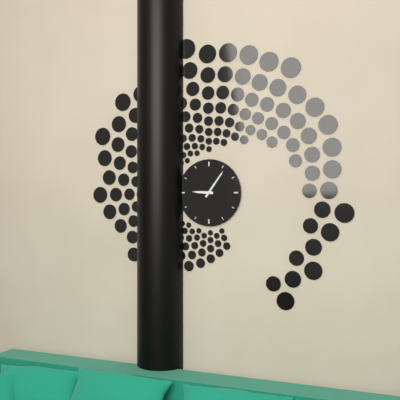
9:06
